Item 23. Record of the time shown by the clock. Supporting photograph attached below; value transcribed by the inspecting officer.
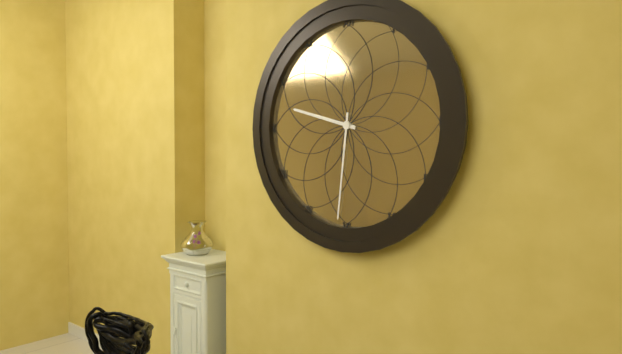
9:31
